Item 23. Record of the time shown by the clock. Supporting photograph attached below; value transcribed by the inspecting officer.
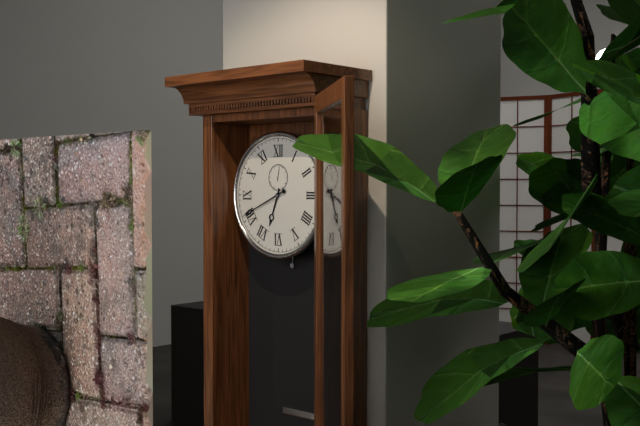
6:41
